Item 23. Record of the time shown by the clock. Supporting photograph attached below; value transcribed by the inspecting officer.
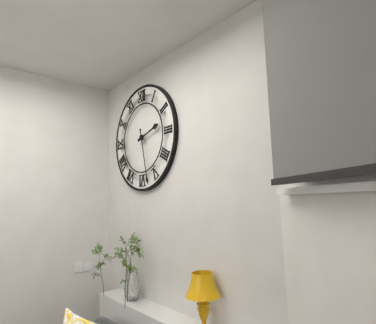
2:28
